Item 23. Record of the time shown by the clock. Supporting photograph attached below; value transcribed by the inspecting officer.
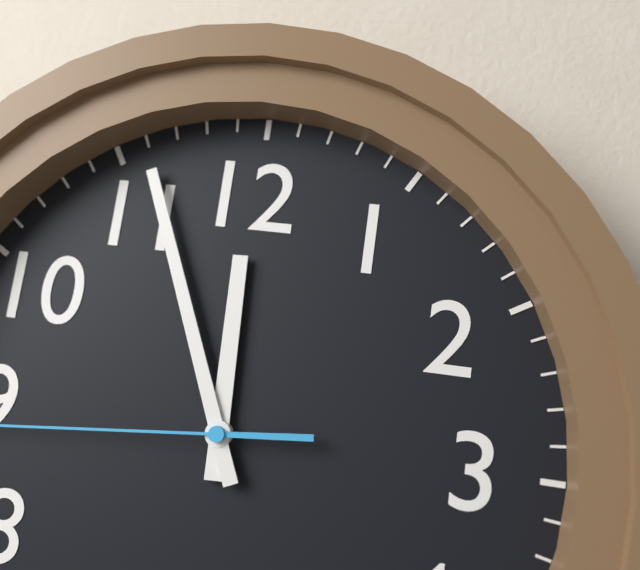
11:56
